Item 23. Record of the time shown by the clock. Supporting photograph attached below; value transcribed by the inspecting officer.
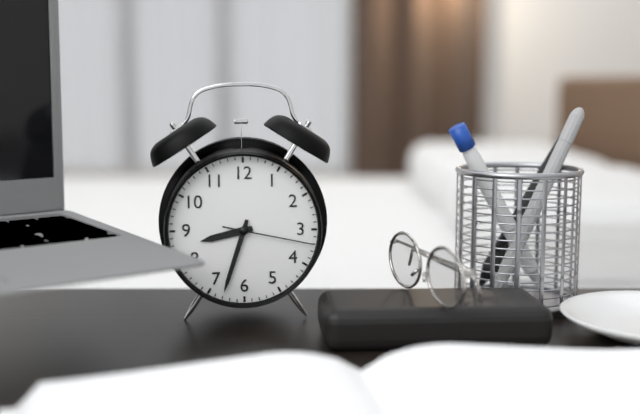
8:33:17
